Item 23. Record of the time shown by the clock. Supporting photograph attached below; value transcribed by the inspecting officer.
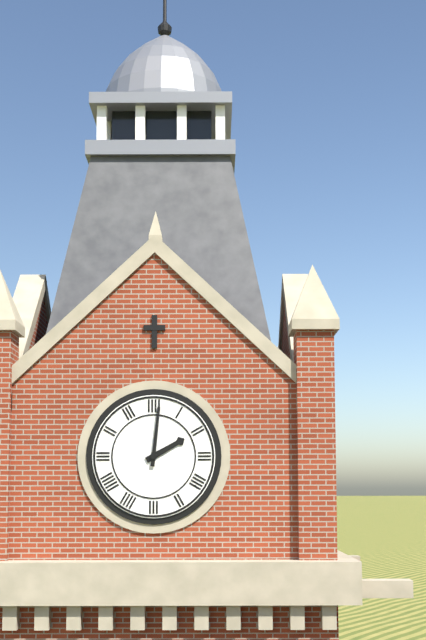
2:01
